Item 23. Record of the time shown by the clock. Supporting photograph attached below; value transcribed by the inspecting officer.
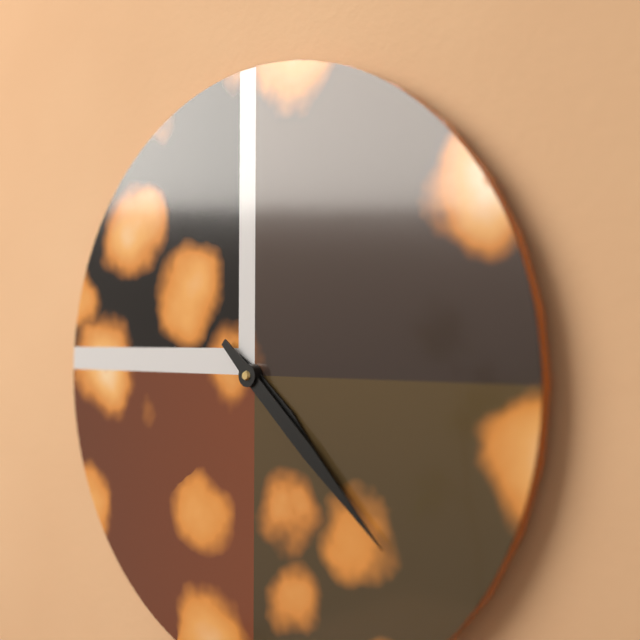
4:22
